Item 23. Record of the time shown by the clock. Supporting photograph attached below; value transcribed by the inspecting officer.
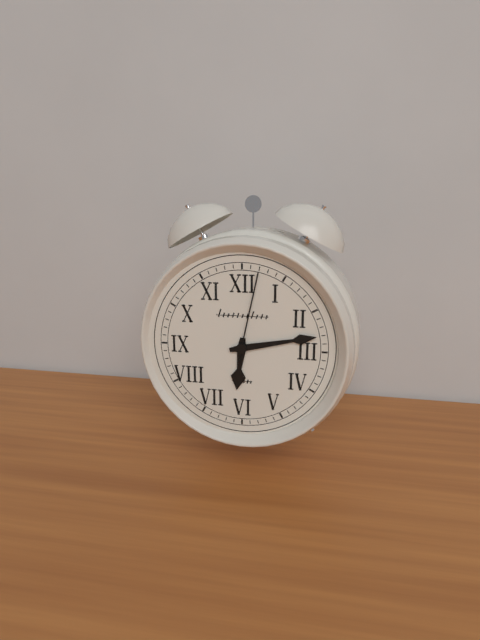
6:13:02
